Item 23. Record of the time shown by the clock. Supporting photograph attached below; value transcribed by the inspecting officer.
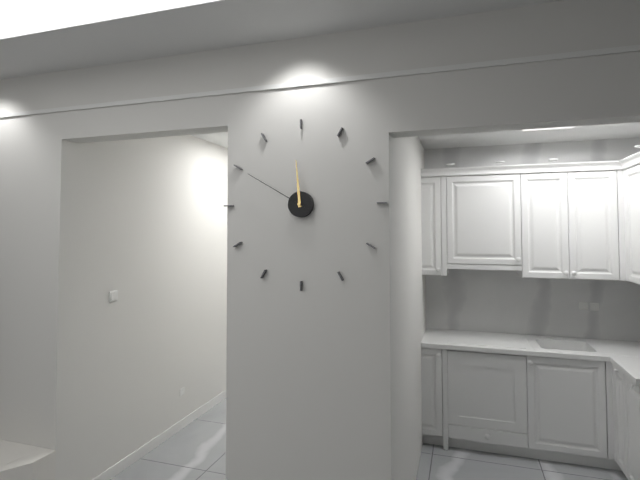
11:50
